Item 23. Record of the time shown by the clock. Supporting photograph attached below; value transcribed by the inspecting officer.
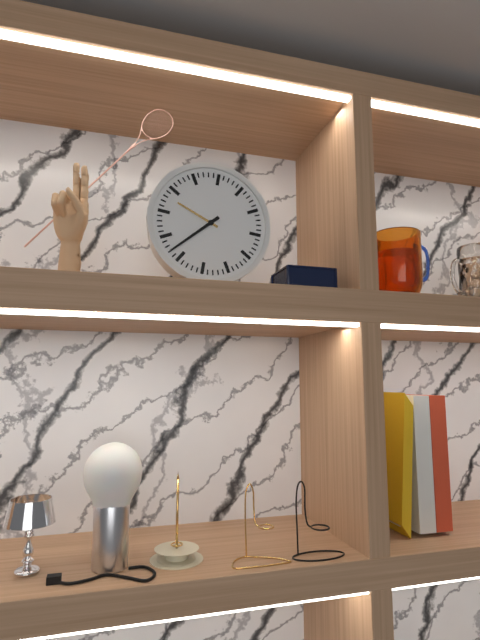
9:37
